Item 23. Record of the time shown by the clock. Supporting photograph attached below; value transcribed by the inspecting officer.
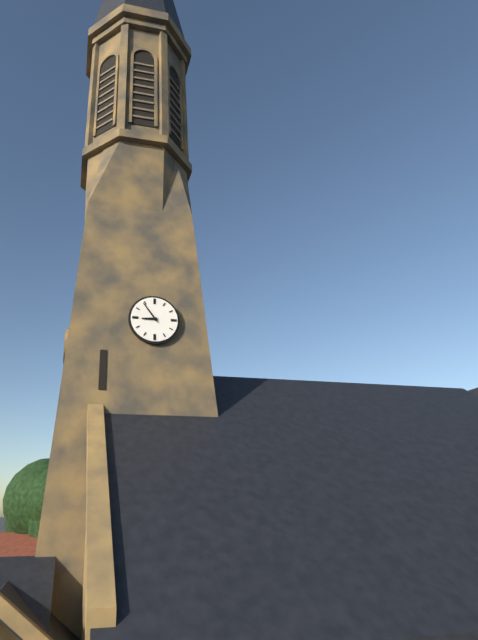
8:54
